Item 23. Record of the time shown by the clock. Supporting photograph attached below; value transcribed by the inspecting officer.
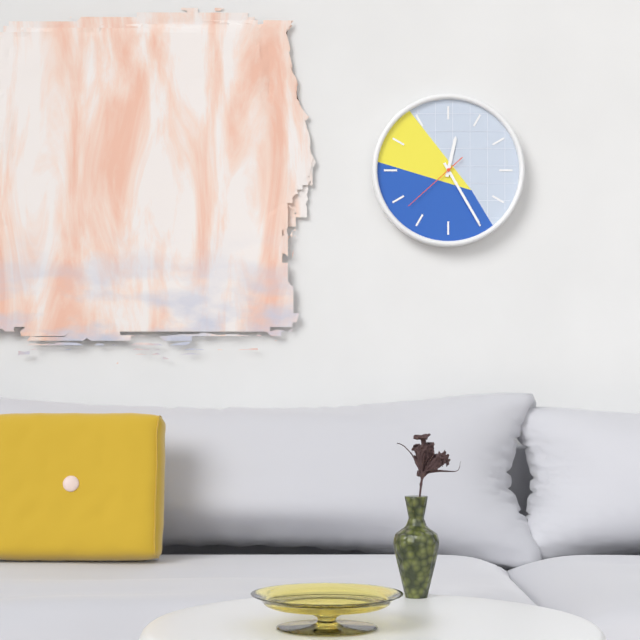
12:25:38
